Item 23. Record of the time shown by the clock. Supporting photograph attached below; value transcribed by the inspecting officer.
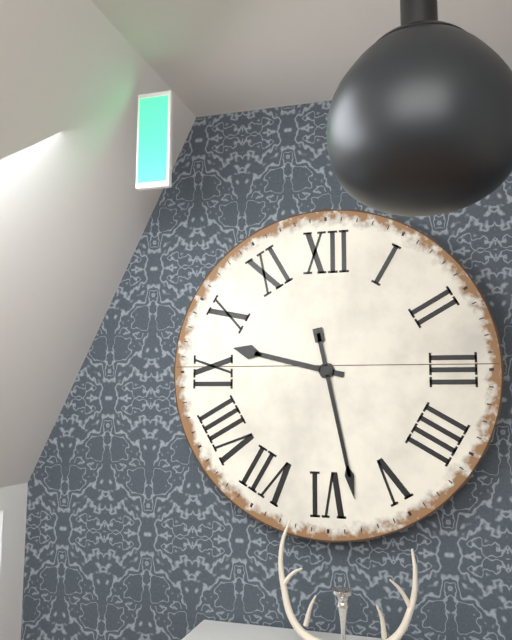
9:28
